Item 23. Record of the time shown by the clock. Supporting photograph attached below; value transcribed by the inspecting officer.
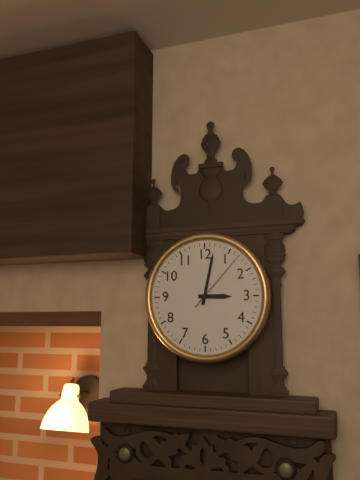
3:02:07
